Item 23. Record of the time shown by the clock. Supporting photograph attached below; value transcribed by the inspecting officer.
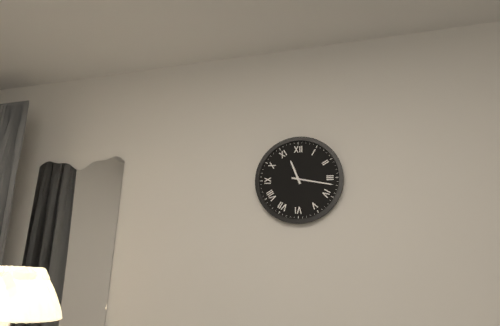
11:17
